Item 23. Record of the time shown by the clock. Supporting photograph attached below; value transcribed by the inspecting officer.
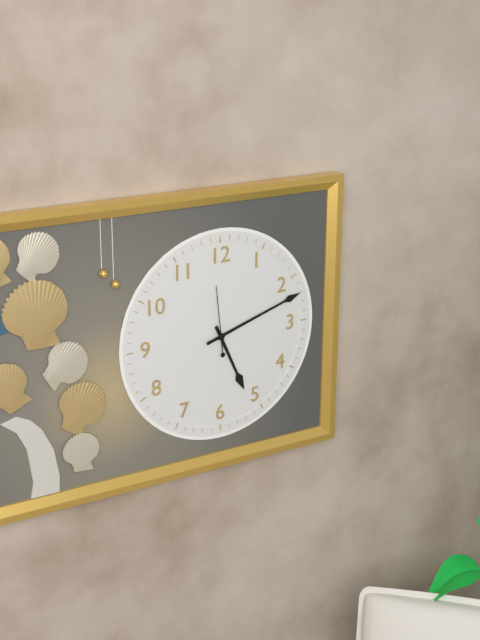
5:12:59
